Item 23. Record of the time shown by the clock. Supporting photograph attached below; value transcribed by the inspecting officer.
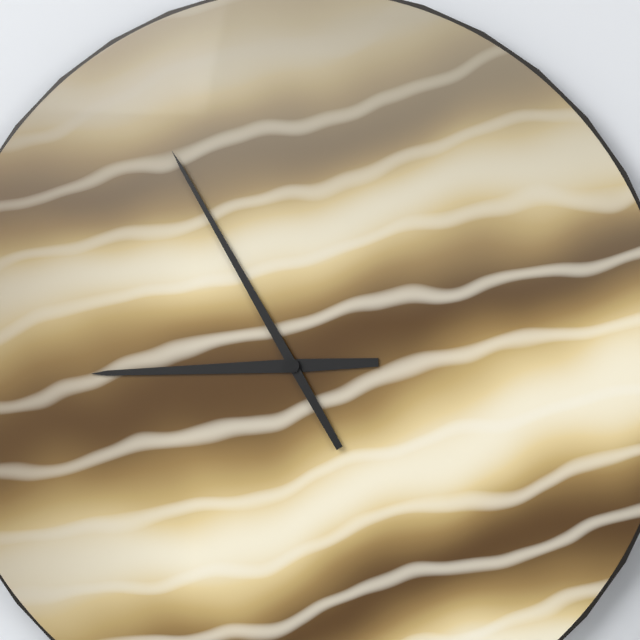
8:55
